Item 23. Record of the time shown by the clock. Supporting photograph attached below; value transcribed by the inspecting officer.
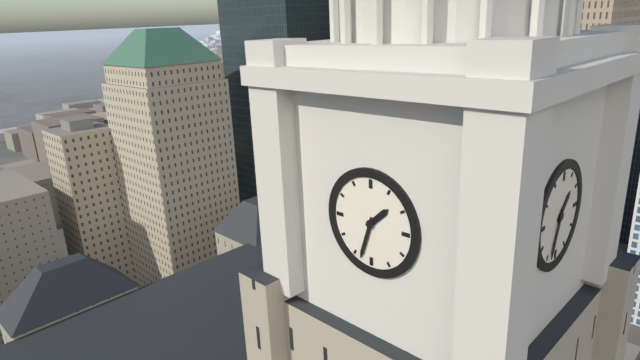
1:33
